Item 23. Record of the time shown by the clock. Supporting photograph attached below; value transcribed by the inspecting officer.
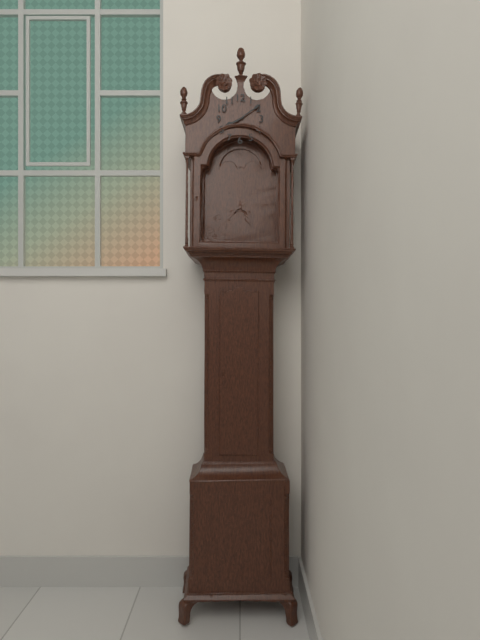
8:09
